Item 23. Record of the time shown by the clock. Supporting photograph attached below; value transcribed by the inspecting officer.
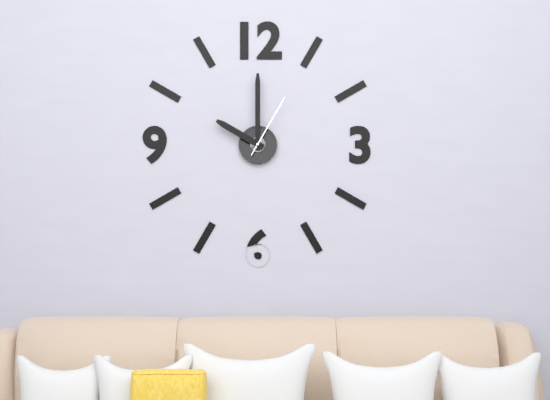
10:00:05
